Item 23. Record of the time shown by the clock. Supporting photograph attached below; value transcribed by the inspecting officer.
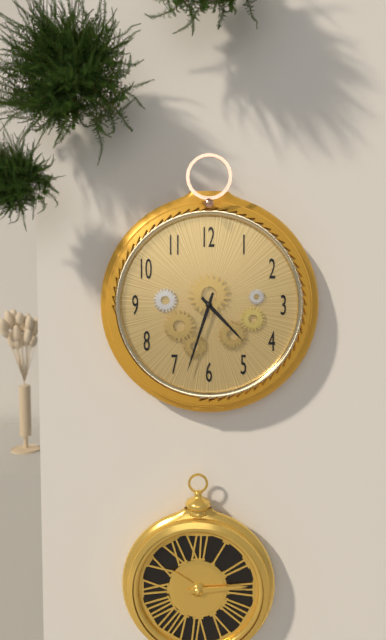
4:33
